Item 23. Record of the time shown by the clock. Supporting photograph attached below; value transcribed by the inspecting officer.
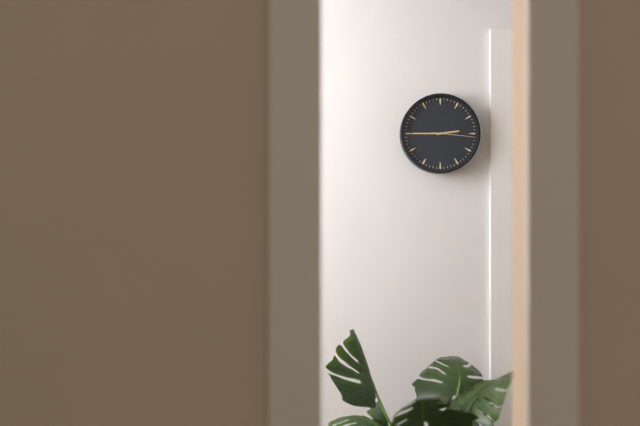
2:45
